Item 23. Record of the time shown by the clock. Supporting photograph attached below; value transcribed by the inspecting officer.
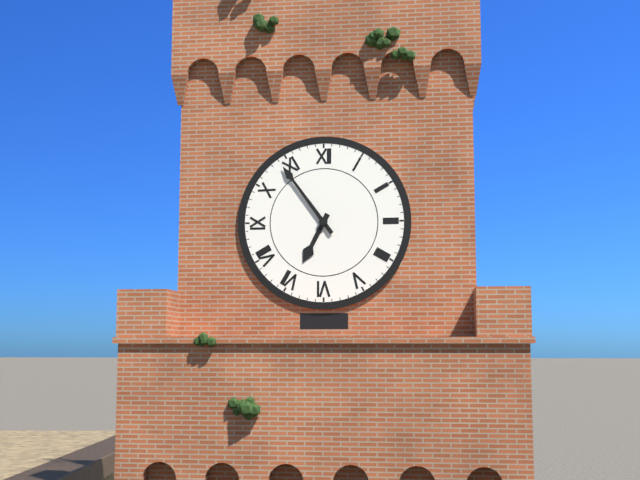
6:54
